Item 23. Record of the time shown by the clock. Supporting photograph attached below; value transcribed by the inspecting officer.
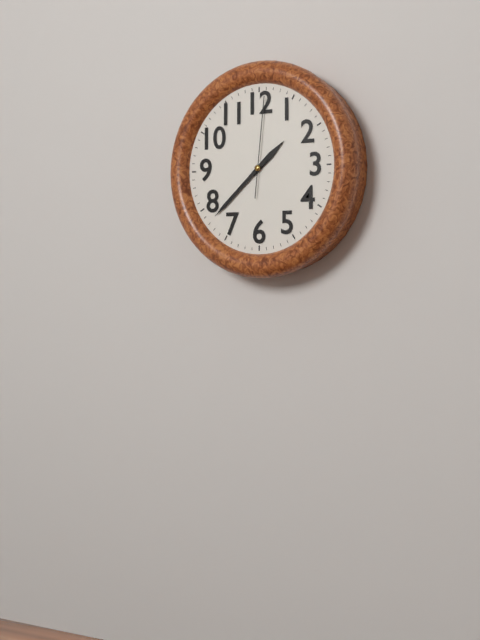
1:38:01
